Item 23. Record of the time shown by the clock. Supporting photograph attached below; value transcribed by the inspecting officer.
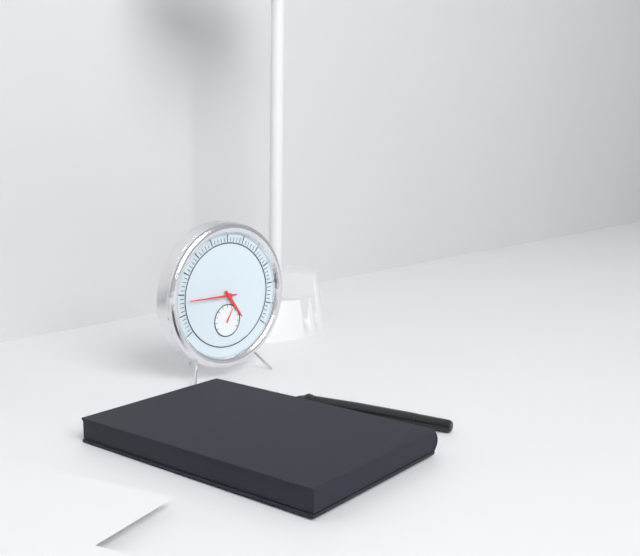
4:45
